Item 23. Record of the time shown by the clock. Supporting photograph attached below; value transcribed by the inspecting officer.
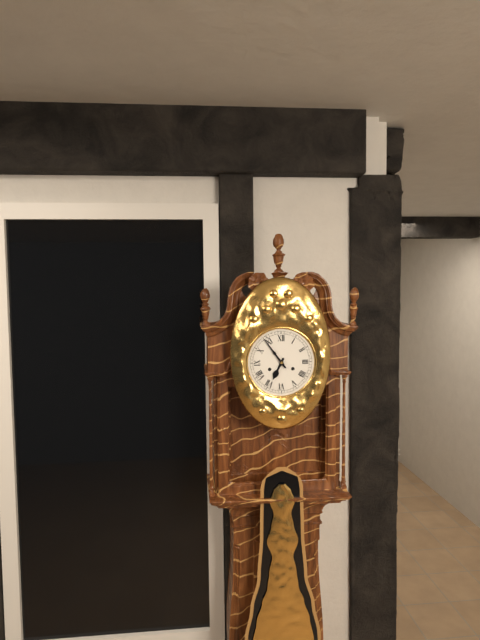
6:54
